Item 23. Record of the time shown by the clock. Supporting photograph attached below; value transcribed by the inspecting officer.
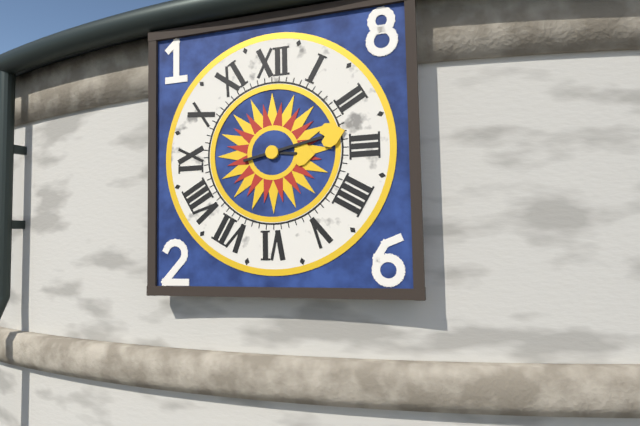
3:13
